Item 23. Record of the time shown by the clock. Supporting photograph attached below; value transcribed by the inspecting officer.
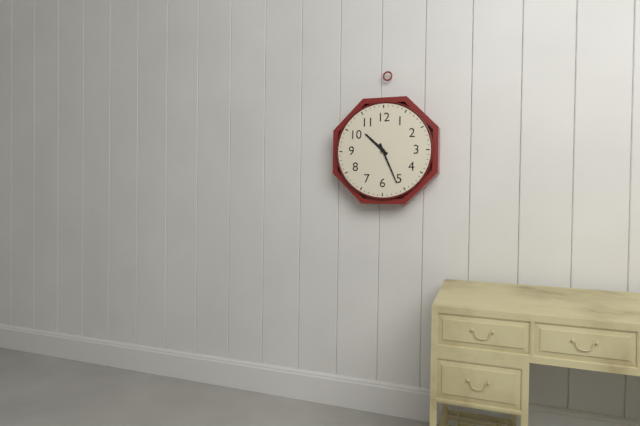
10:26
